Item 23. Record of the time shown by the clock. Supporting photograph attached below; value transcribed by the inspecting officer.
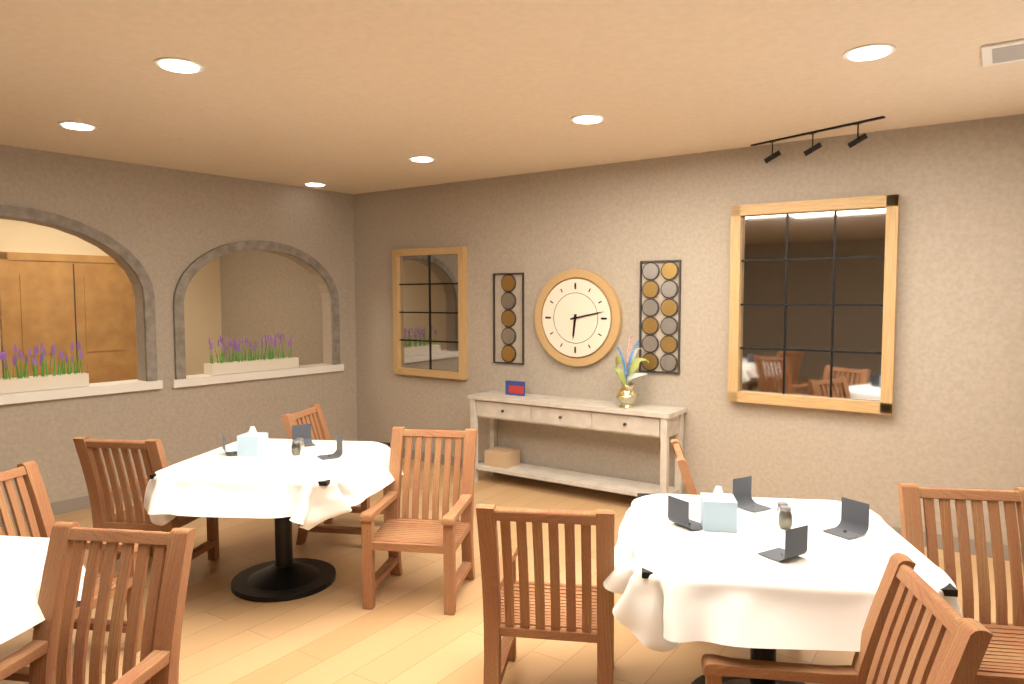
6:13
